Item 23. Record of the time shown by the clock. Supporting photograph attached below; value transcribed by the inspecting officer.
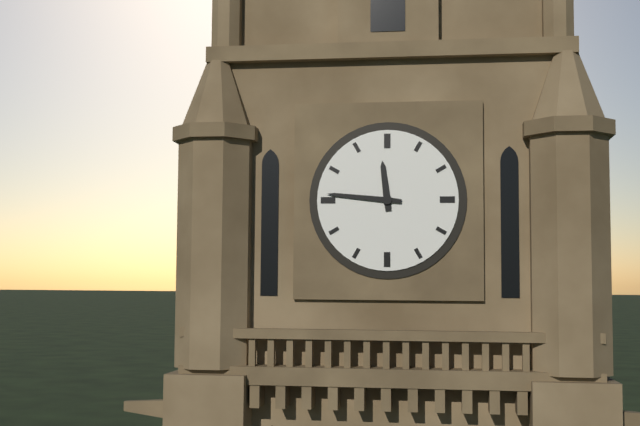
11:46
